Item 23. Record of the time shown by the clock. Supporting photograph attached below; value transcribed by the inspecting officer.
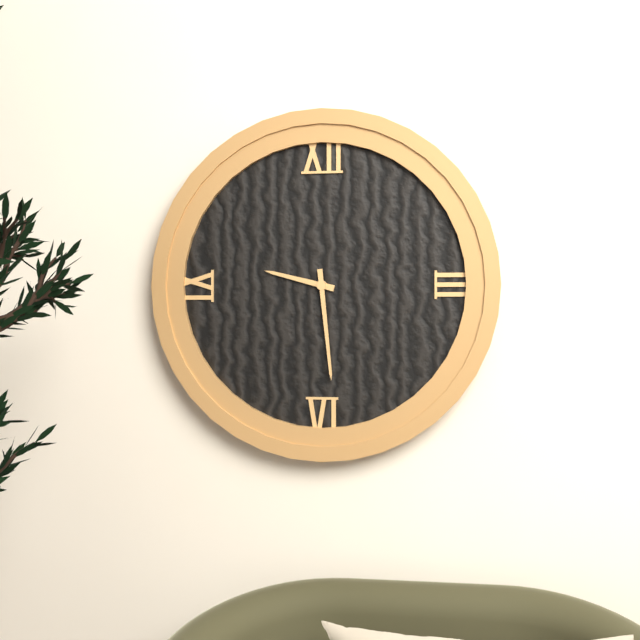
9:29
